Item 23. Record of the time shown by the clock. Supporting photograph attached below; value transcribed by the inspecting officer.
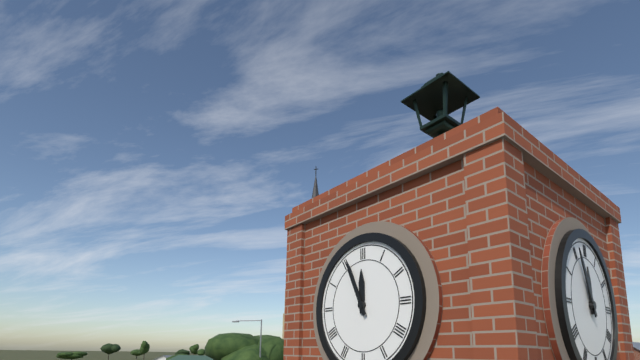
11:56
